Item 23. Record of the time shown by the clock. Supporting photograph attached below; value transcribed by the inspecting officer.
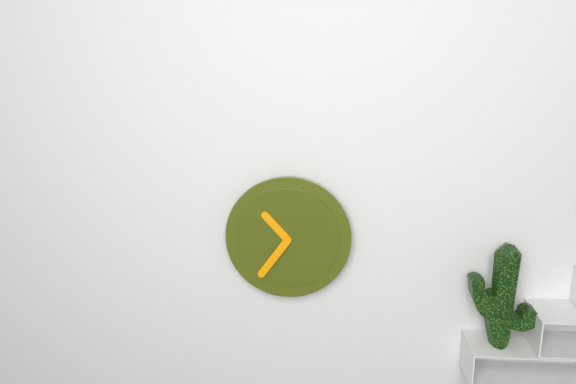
10:36
